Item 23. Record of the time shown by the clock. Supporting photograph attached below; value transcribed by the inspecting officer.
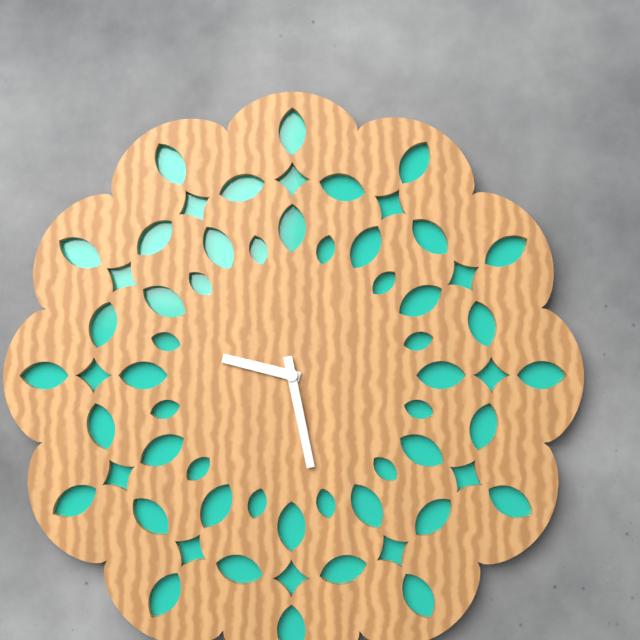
9:28
